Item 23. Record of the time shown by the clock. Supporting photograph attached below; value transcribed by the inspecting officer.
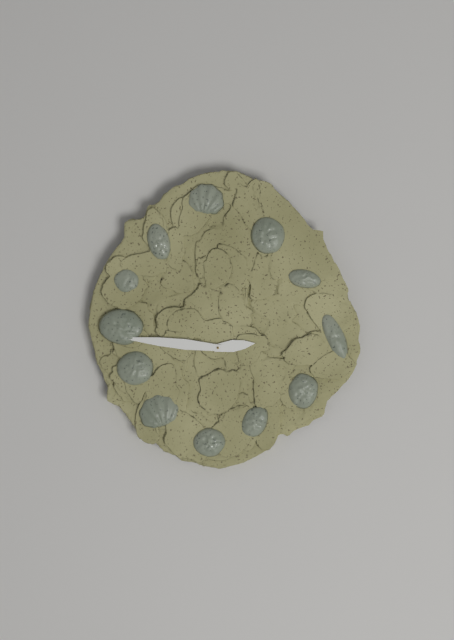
2:46
